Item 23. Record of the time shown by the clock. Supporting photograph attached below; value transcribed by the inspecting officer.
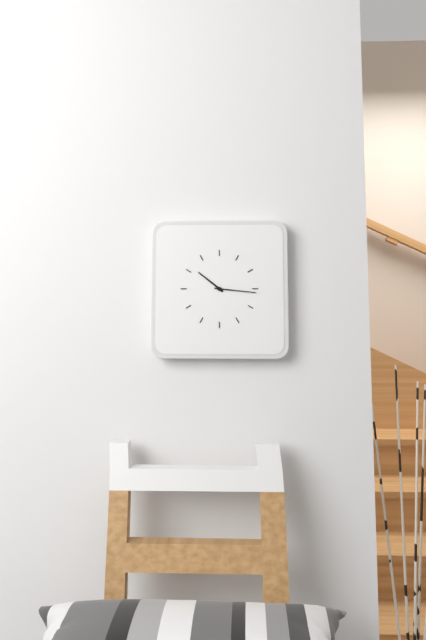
10:16
